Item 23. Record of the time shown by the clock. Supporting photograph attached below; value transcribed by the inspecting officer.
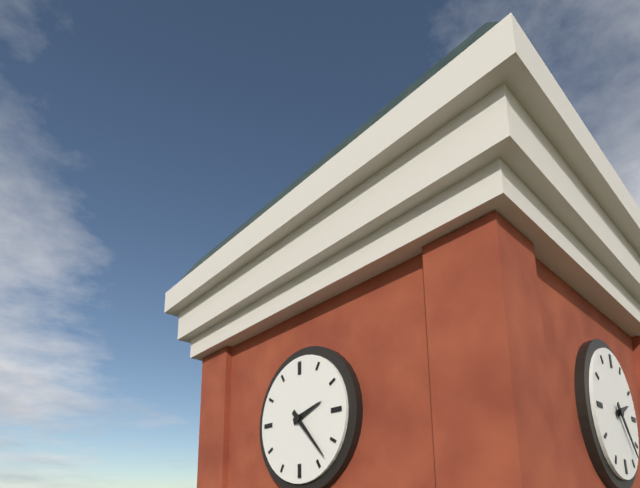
2:23
